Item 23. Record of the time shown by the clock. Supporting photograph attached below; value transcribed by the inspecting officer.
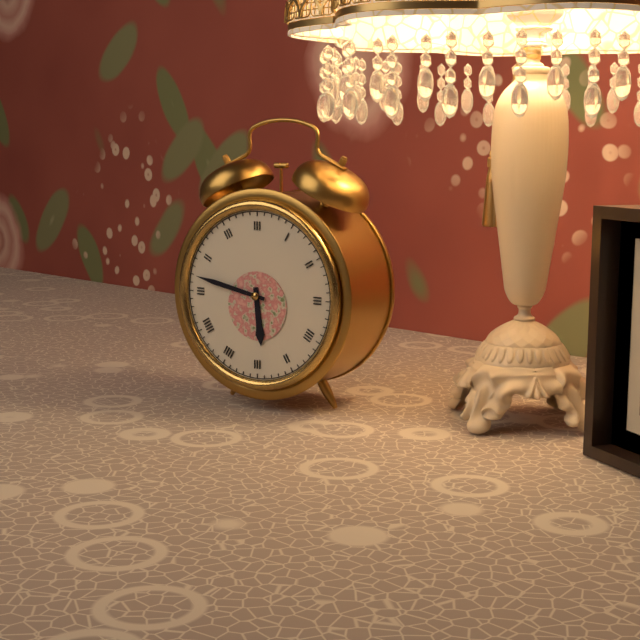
5:47
